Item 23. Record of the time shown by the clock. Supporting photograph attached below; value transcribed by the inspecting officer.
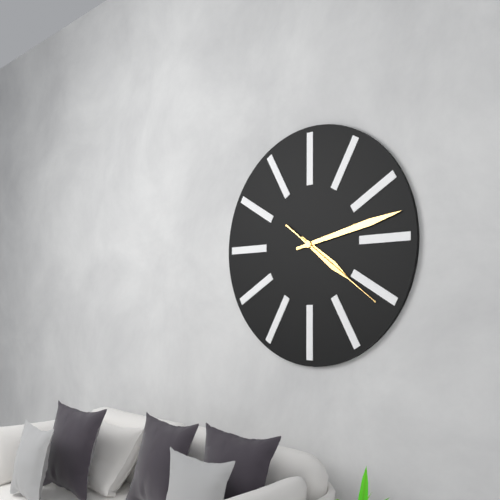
4:13:21
